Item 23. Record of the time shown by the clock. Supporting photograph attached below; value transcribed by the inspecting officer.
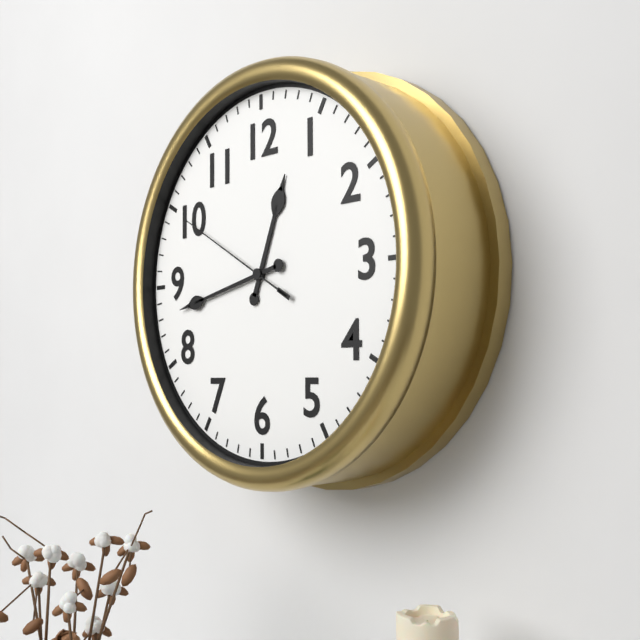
12:43:50
